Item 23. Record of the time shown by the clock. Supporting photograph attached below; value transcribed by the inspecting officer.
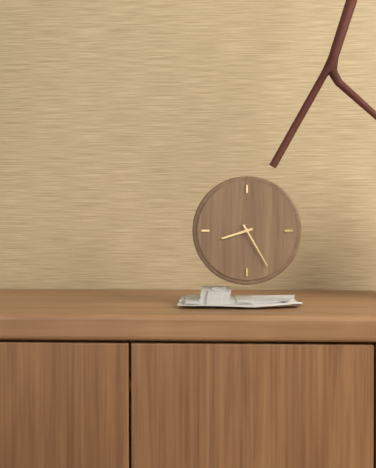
8:25
